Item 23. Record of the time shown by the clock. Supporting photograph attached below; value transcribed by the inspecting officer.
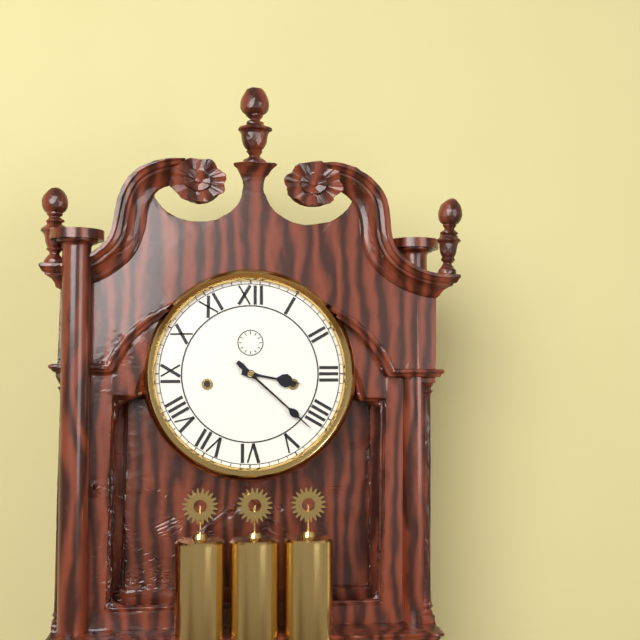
3:22
